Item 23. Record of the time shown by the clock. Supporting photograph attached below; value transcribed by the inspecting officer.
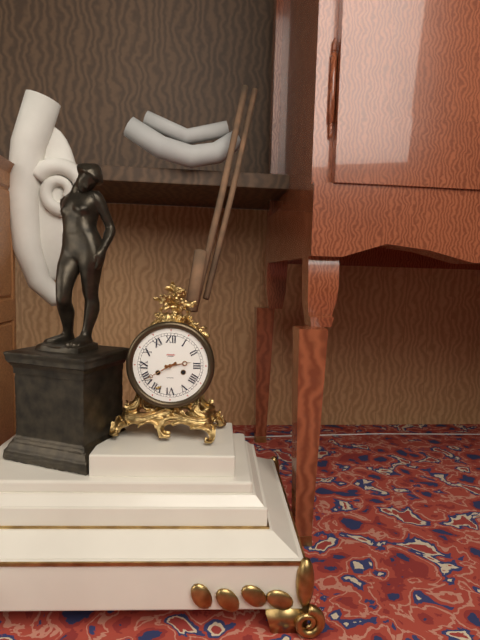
2:40
